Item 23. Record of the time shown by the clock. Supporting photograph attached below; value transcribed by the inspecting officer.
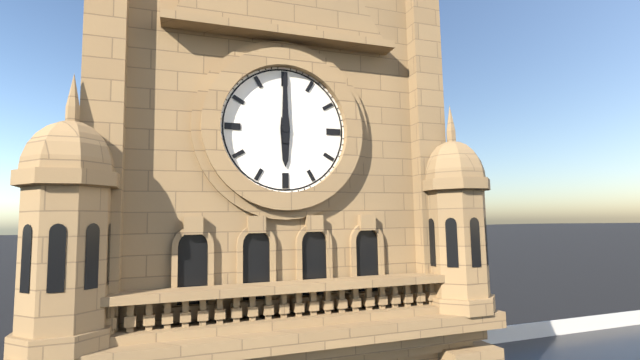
6:00
